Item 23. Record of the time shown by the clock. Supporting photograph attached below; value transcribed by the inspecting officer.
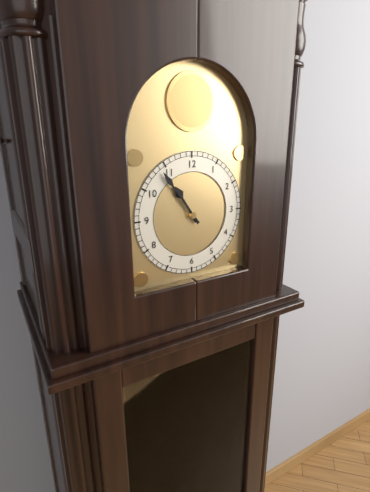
10:54
